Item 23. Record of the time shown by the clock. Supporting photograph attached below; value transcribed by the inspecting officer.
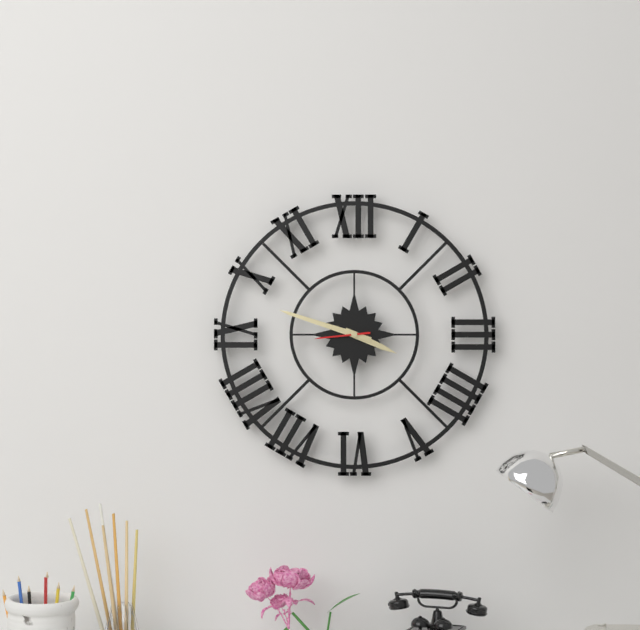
3:48:44
